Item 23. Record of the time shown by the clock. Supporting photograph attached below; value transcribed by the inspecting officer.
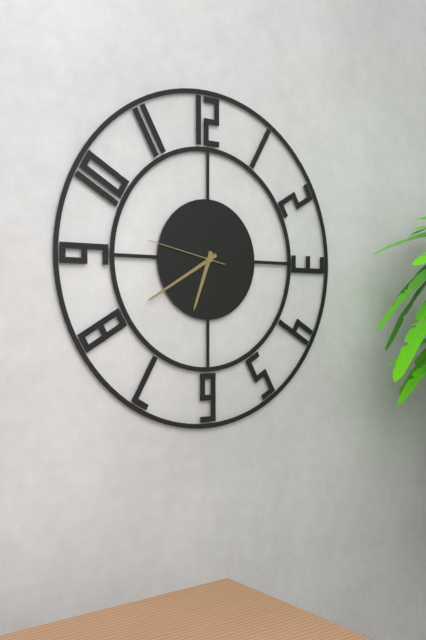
6:40:47
